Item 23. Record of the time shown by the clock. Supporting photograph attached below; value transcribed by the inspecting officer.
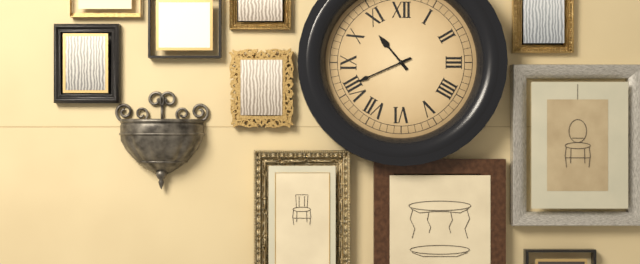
10:41
